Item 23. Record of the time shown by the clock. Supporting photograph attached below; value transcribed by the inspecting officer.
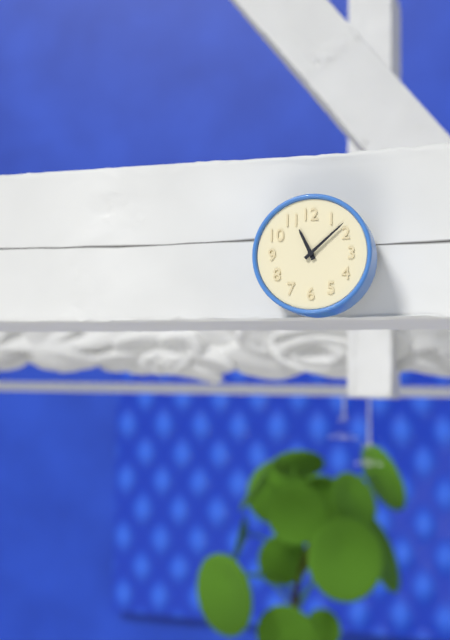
11:08
